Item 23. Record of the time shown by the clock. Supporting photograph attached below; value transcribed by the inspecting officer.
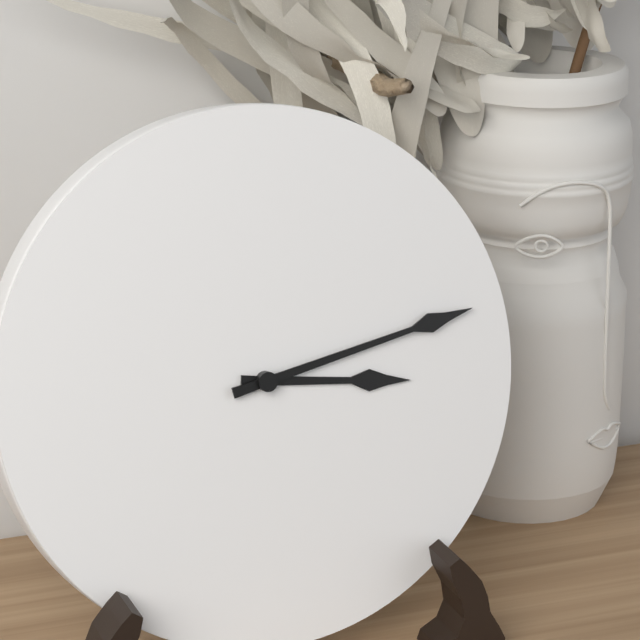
3:13
